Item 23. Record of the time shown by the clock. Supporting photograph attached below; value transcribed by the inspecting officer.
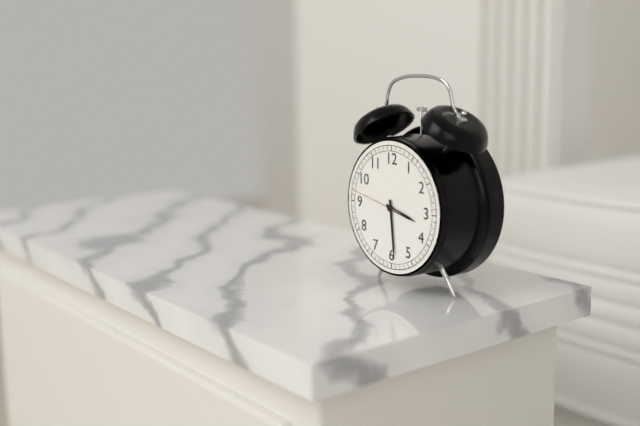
3:29:47
